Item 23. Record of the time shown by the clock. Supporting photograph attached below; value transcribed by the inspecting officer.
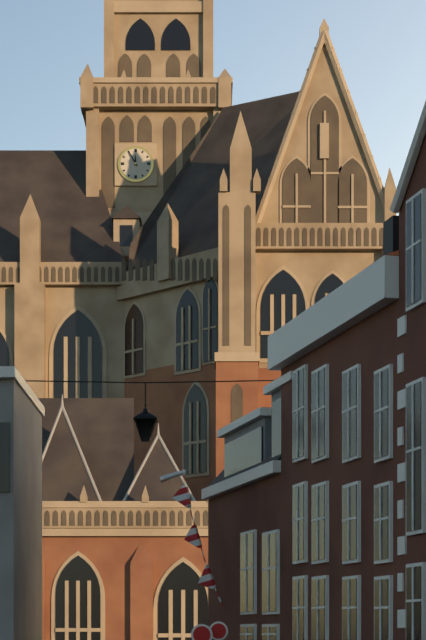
11:55
